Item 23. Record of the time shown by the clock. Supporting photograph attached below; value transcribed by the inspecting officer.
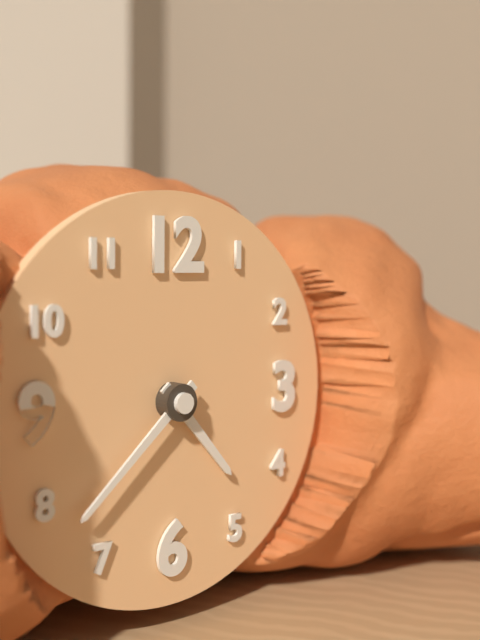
4:38
